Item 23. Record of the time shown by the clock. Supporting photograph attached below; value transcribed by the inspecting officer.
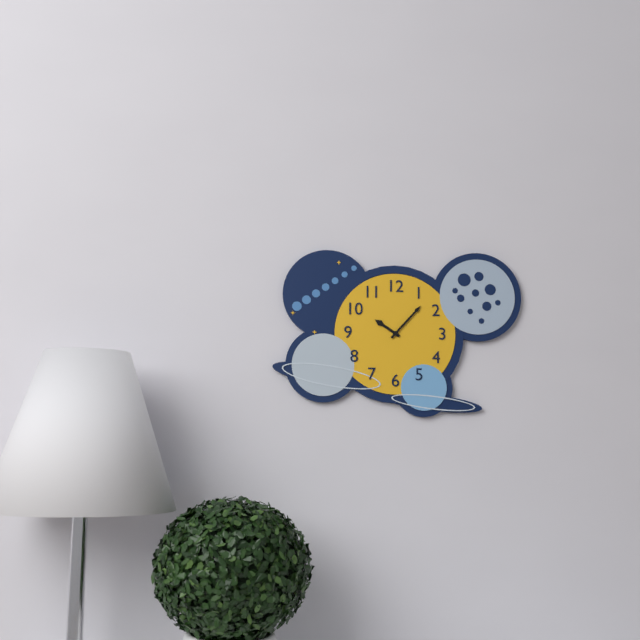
10:07
